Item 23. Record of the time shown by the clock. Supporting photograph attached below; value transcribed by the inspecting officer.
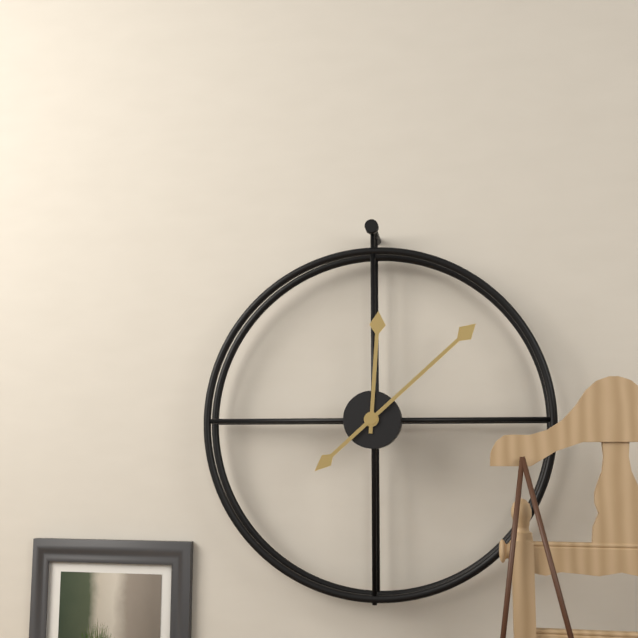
12:08
